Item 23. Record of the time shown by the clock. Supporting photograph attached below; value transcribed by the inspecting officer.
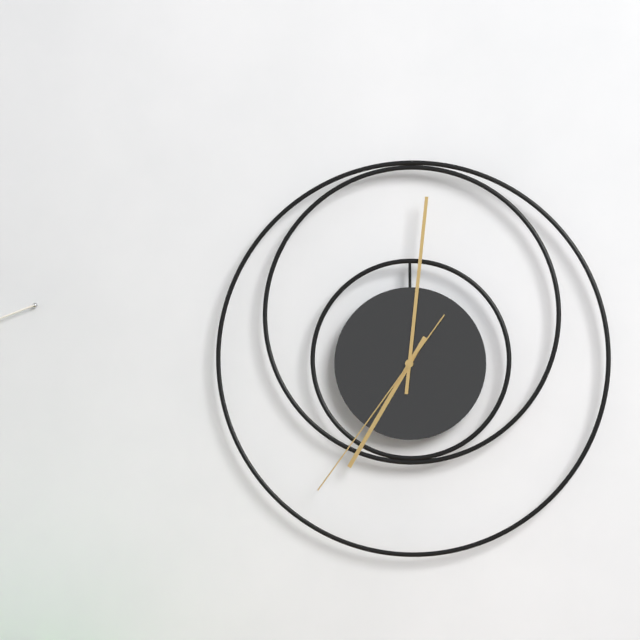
7:01:36
